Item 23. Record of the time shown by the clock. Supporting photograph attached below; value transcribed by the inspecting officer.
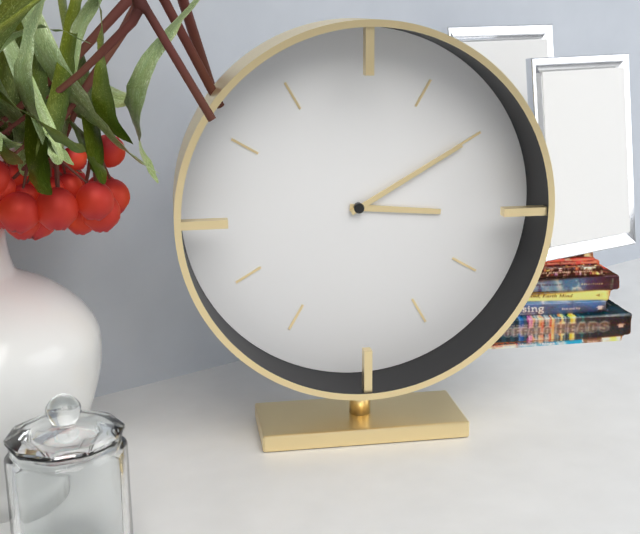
3:10
